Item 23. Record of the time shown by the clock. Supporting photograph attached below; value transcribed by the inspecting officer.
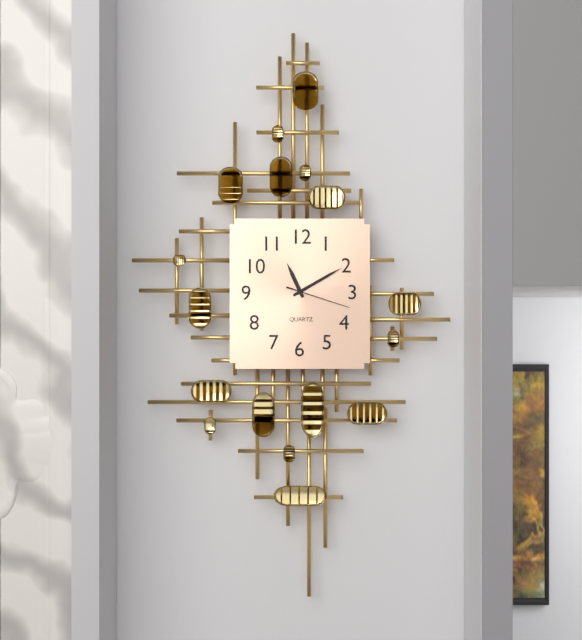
11:10:18
